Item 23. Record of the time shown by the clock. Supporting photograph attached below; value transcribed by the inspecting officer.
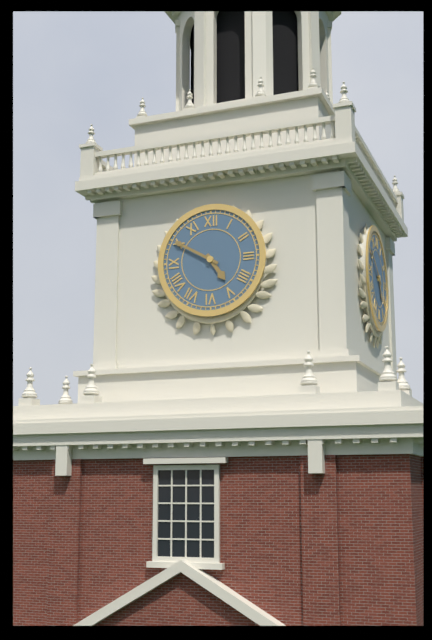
4:50
